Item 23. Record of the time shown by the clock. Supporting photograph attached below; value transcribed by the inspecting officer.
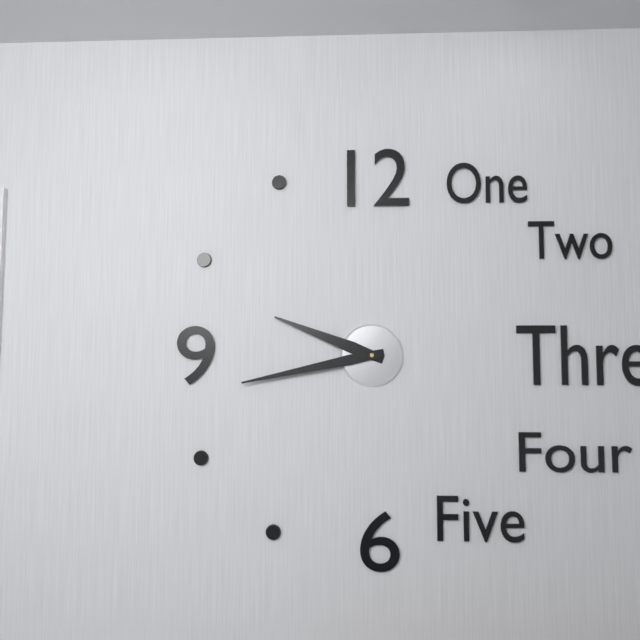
9:43
